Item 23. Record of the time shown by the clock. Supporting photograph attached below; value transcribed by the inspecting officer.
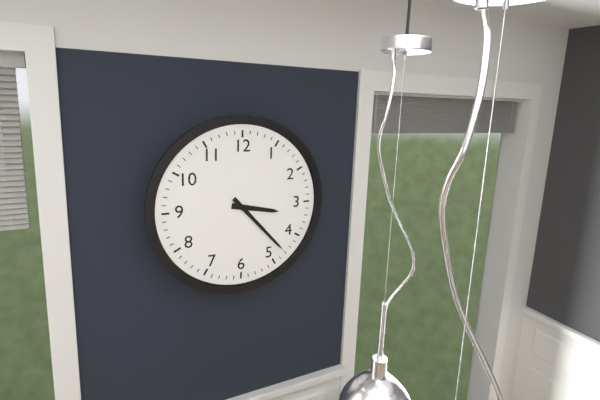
3:23
